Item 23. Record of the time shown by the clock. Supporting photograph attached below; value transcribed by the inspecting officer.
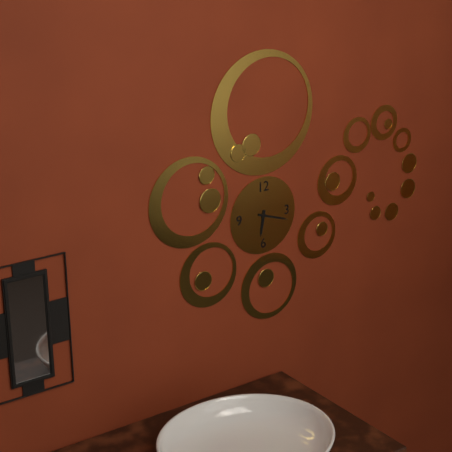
6:18
